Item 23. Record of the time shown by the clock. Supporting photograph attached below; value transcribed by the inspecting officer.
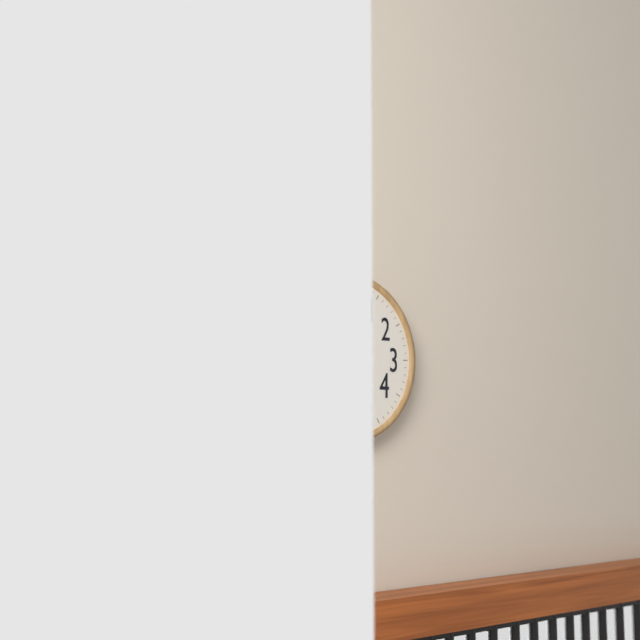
5:34:35
